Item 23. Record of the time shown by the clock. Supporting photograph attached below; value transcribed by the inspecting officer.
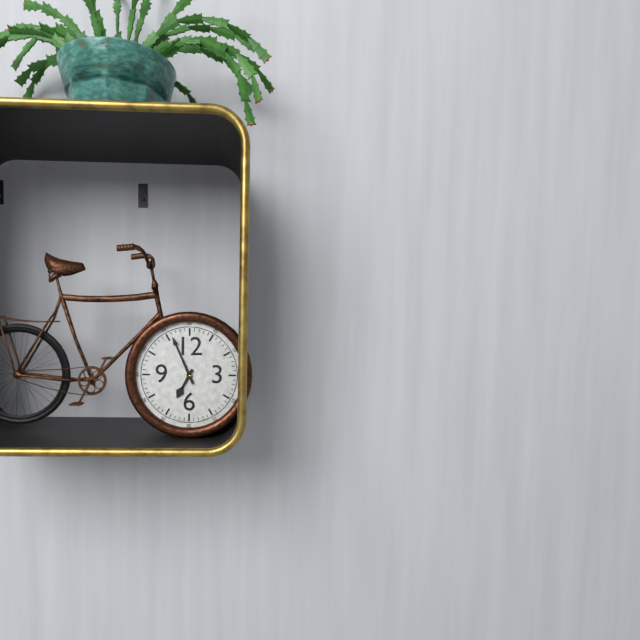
6:56
